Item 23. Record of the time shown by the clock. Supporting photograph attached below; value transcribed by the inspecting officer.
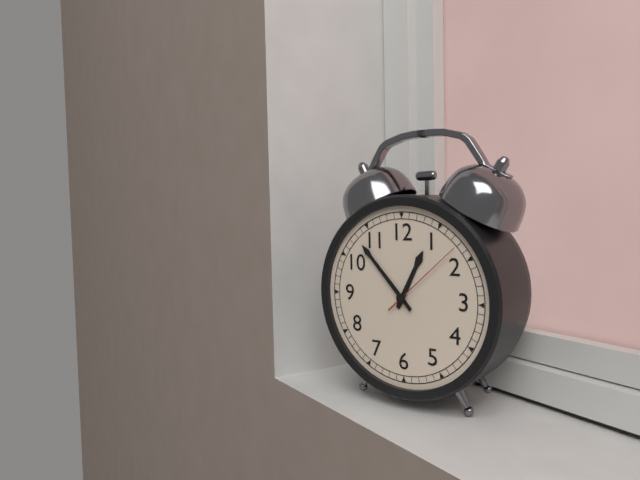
12:53:08
